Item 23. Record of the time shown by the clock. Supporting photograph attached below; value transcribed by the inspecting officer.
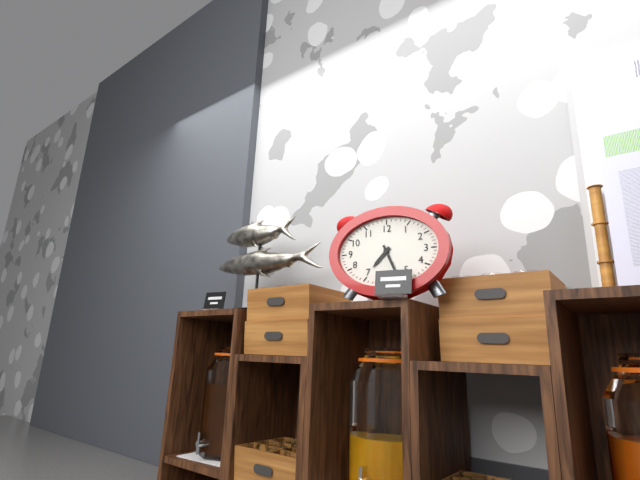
7:26
